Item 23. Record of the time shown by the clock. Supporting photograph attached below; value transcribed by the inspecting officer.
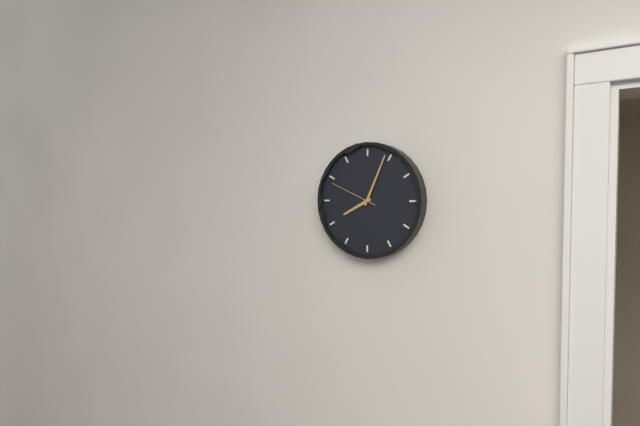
8:04:49
